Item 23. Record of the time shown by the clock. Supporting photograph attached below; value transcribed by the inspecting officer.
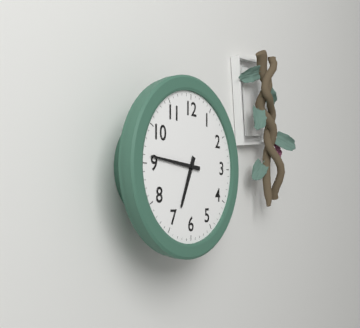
6:46
